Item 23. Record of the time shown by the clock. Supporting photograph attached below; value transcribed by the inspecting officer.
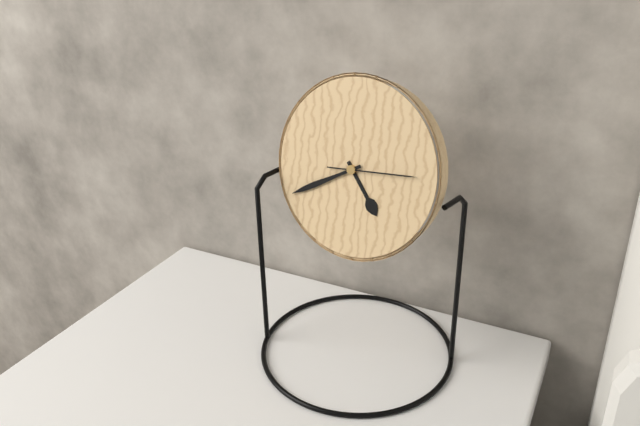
4:40:14
